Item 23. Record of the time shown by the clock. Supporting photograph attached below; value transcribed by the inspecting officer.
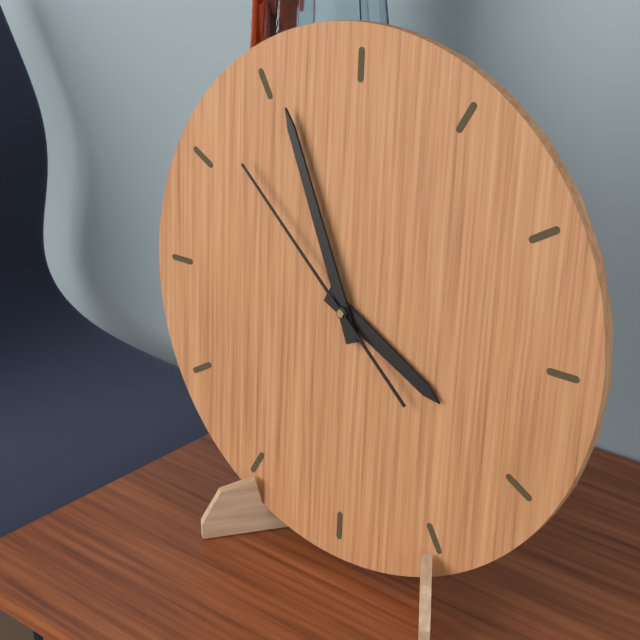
3:56:52
